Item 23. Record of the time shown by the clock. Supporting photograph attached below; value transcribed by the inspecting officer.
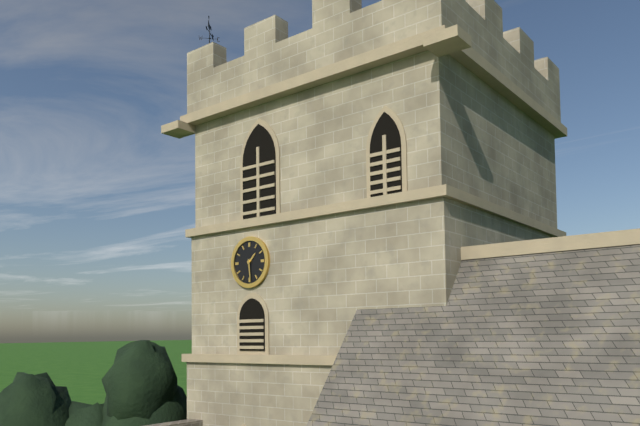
1:29
